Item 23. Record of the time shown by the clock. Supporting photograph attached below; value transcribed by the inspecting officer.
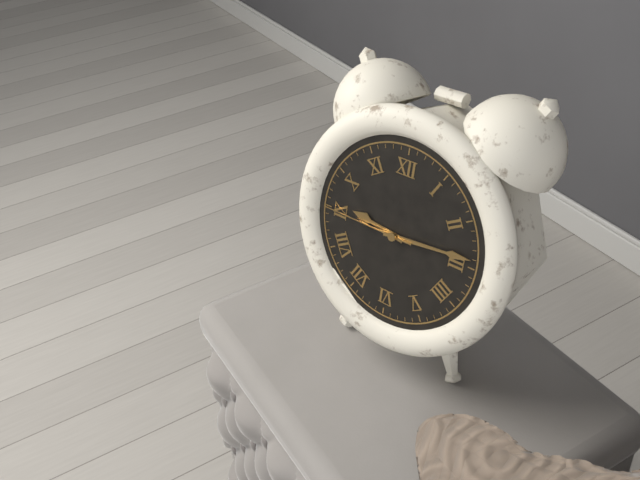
9:14:45
